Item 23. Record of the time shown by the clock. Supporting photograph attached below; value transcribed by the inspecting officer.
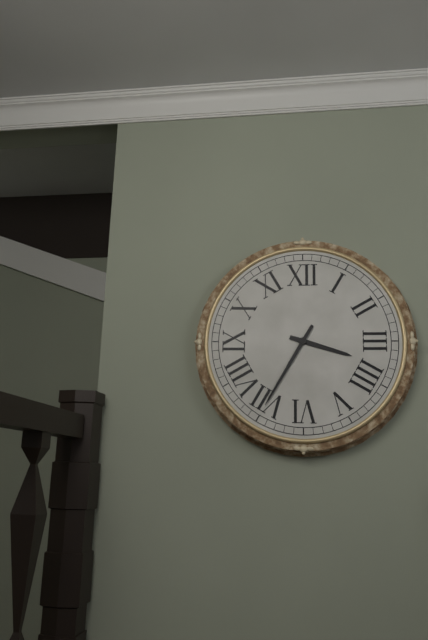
3:35
